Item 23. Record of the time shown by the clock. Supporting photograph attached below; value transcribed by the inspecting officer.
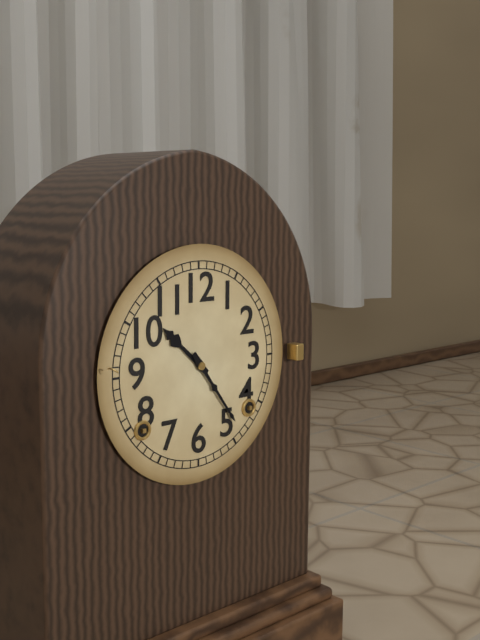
10:24
